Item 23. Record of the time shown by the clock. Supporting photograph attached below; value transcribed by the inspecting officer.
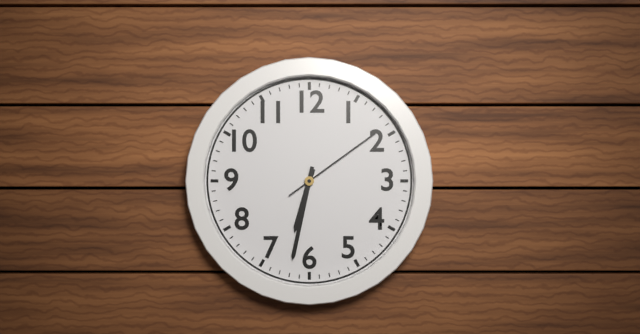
6:32:09
